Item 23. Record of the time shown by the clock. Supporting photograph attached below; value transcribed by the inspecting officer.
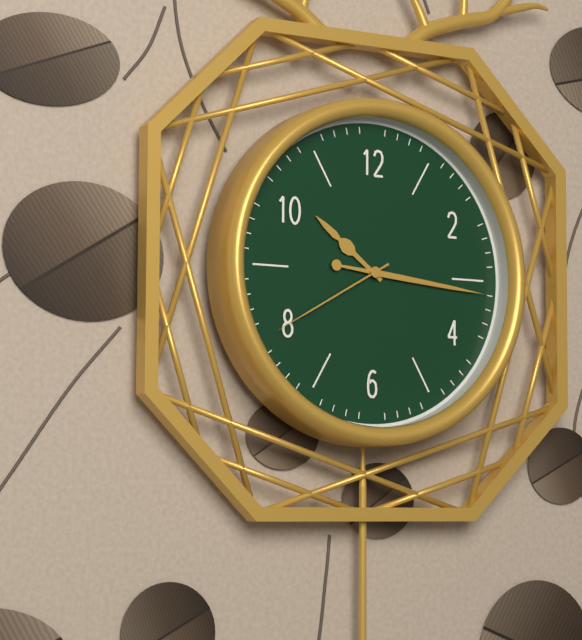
10:16:40
